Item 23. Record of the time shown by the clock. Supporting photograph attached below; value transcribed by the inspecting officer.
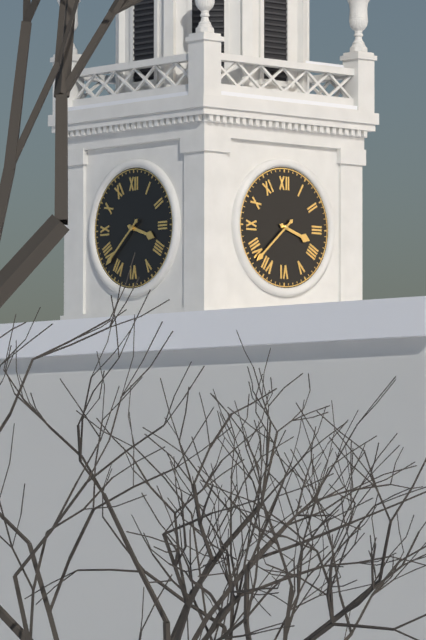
3:38
